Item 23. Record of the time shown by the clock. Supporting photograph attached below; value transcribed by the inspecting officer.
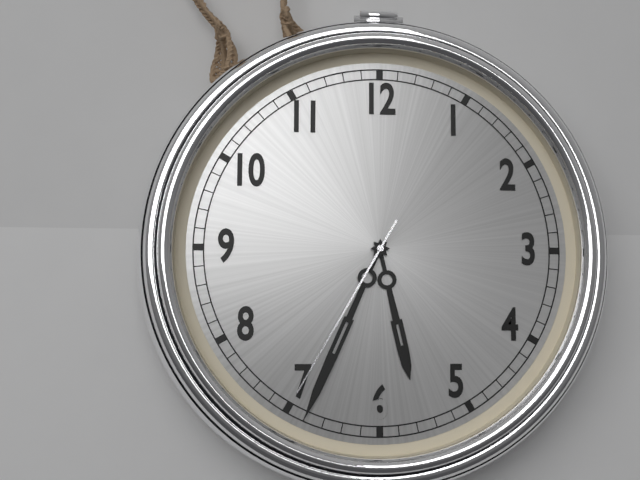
5:34:35
